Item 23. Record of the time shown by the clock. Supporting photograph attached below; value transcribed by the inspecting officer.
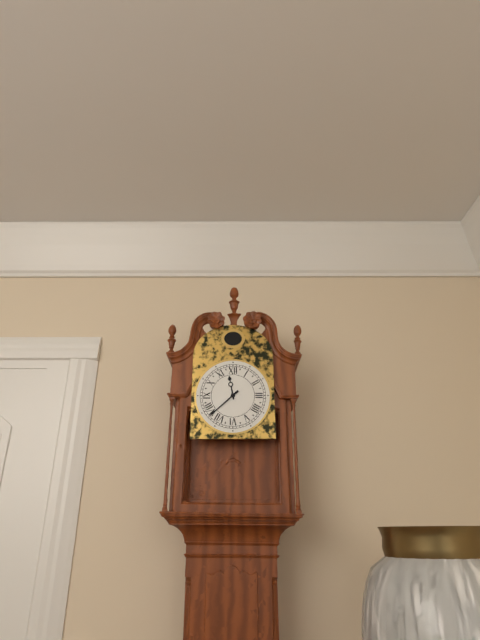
11:38
